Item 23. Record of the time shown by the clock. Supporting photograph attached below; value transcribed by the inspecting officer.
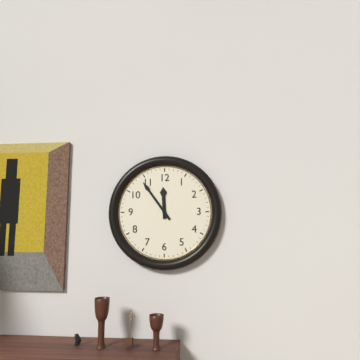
11:54
